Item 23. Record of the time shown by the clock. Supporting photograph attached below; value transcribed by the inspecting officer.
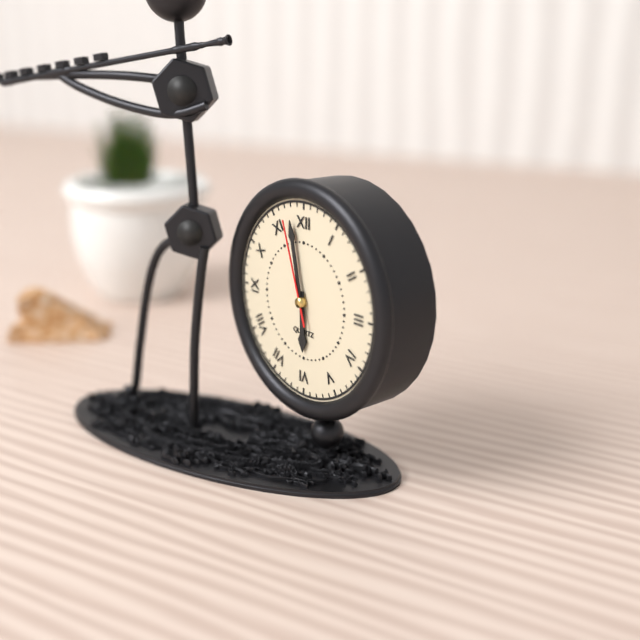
5:58:57
